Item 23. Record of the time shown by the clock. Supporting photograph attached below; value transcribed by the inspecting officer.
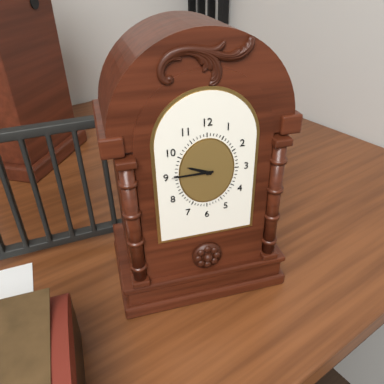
9:45
